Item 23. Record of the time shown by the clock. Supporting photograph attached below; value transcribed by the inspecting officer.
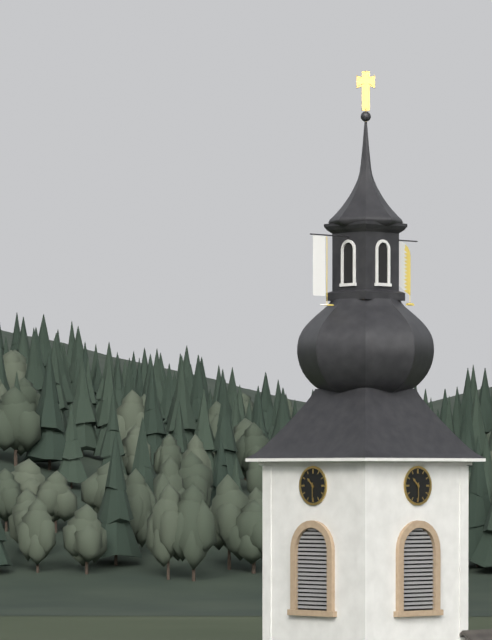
10:30
